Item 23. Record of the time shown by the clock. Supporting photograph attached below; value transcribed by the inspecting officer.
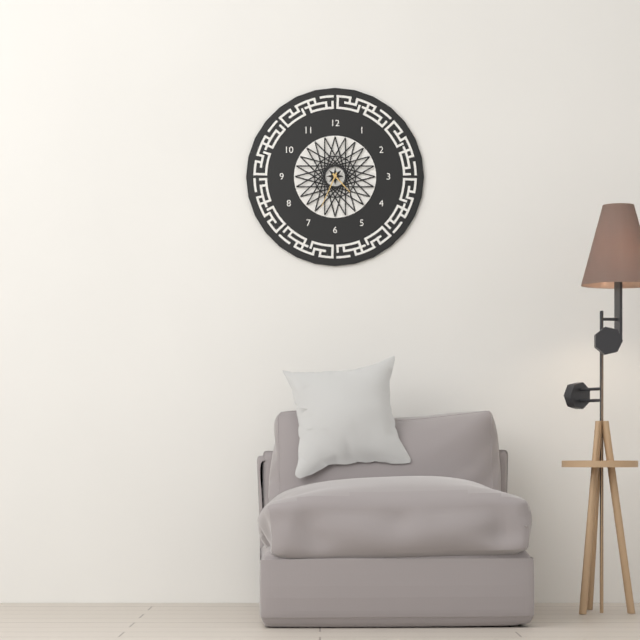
4:34
